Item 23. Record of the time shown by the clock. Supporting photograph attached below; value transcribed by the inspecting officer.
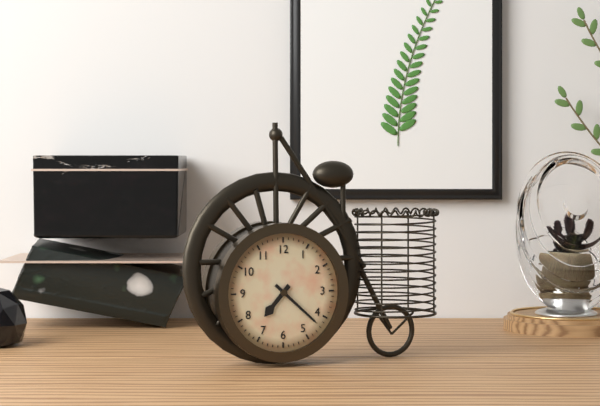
7:22
